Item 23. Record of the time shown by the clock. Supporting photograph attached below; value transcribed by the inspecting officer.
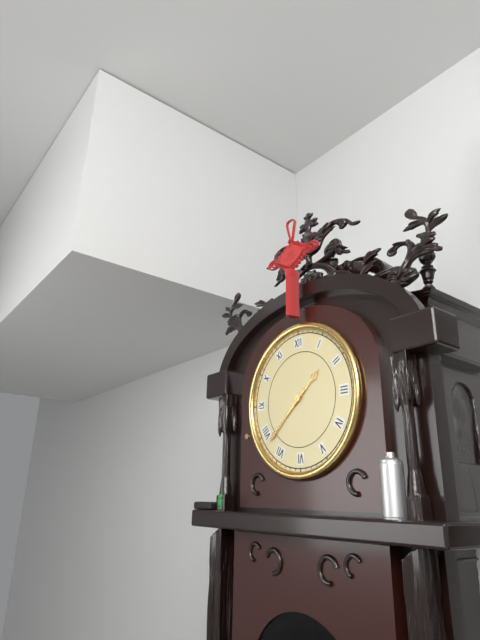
1:38
